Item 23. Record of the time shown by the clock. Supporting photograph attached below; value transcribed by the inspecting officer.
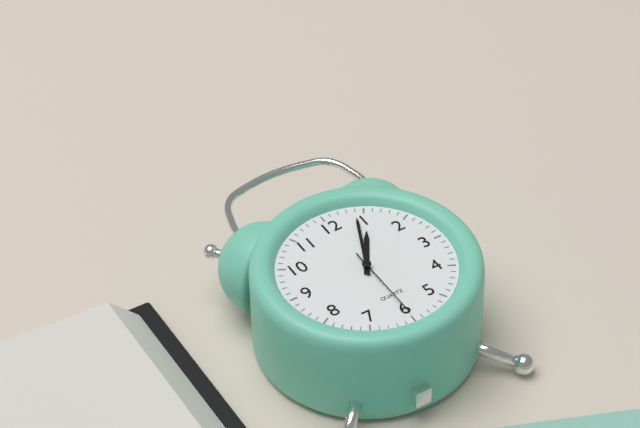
1:04:30
